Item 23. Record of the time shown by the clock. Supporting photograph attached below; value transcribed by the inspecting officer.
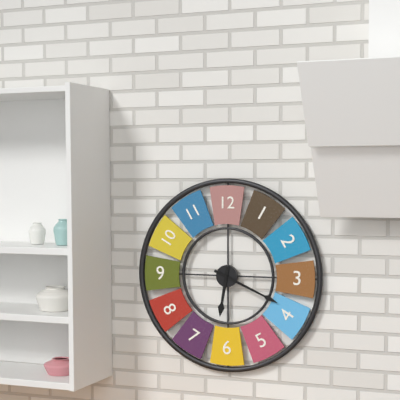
6:19
